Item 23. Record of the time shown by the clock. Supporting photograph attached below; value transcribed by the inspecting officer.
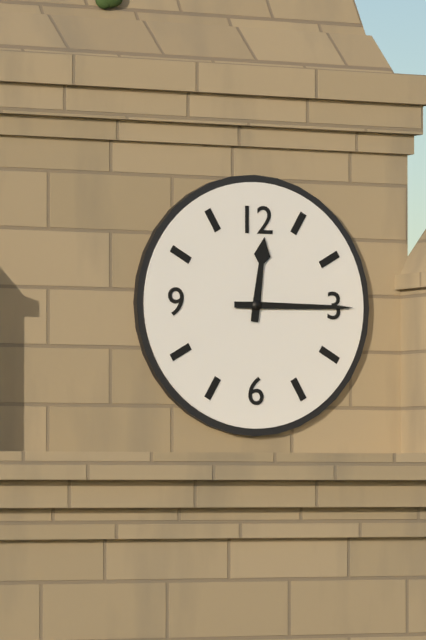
12:15
